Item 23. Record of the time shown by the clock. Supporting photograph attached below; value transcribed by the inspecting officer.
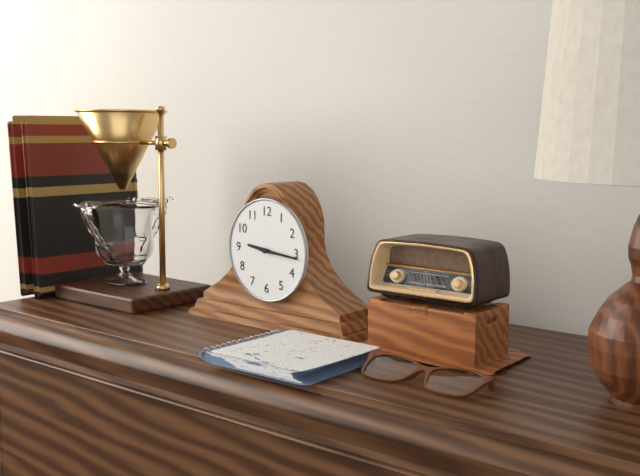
9:16
